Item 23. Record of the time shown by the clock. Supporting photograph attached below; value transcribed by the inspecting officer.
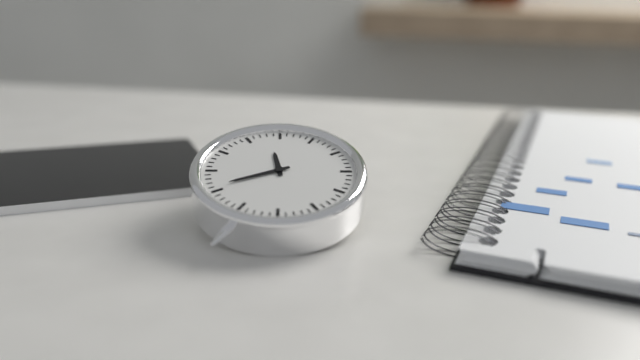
11:41
